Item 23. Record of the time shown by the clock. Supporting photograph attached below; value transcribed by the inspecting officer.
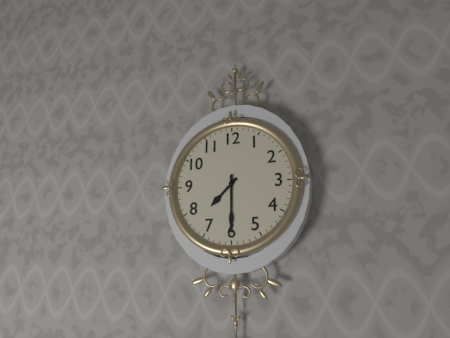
7:30
